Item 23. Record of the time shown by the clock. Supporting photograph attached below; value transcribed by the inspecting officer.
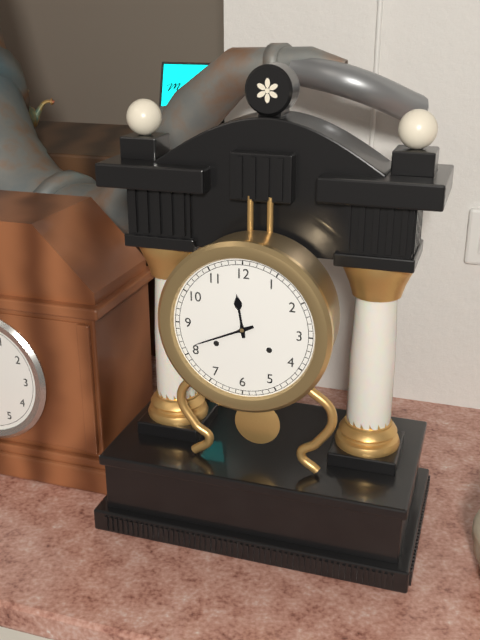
11:41
